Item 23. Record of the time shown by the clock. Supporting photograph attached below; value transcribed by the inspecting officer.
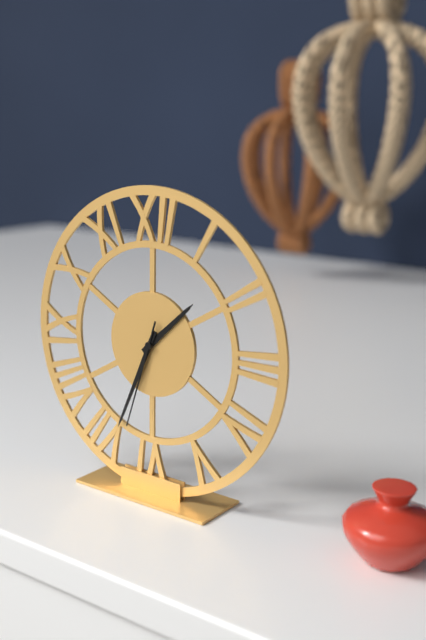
1:34:33
